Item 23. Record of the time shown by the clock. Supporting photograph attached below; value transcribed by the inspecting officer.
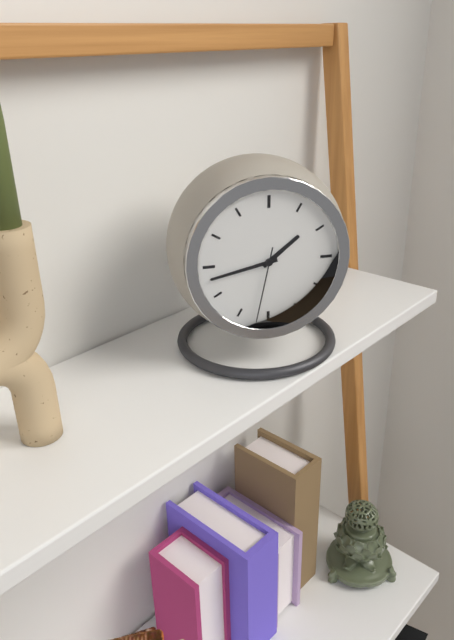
1:43:32
